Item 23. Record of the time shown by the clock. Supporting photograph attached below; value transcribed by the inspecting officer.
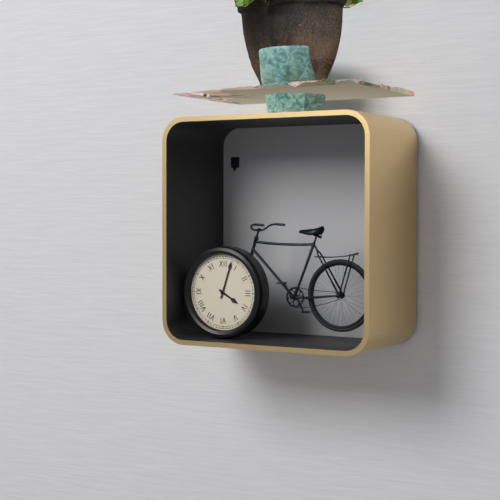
4:03
